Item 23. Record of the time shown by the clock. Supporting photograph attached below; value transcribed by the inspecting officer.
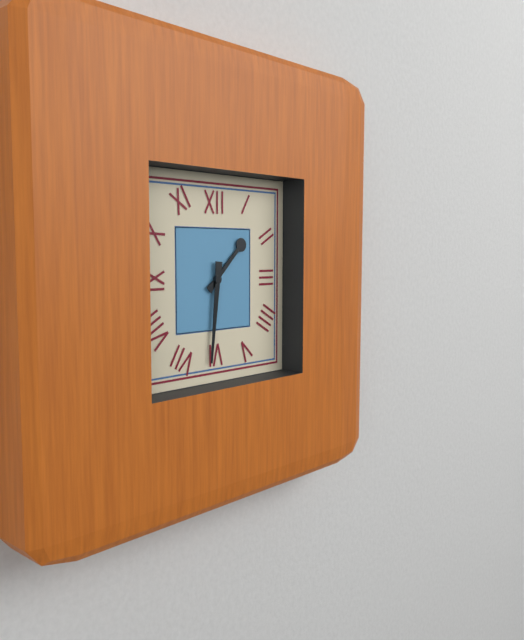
1:31
